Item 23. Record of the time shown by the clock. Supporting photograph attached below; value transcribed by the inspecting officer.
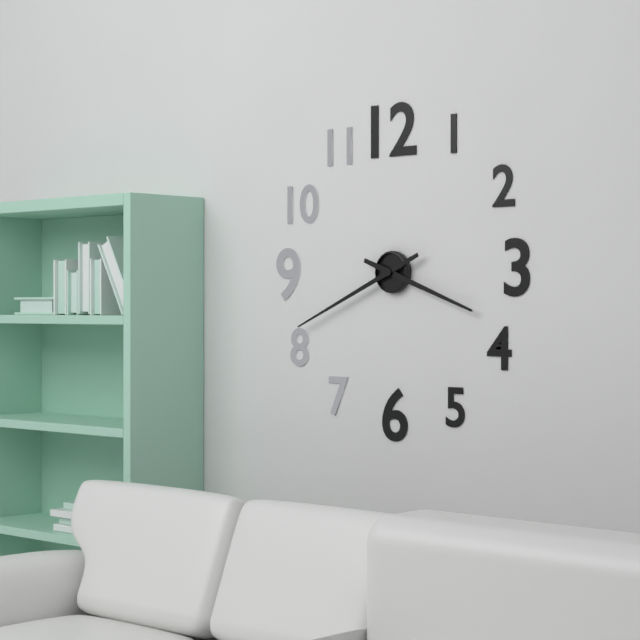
3:41
